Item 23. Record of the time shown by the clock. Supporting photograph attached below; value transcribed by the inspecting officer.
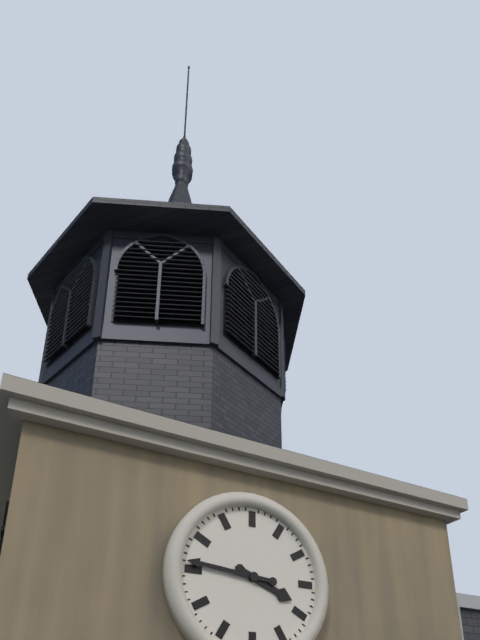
3:46
